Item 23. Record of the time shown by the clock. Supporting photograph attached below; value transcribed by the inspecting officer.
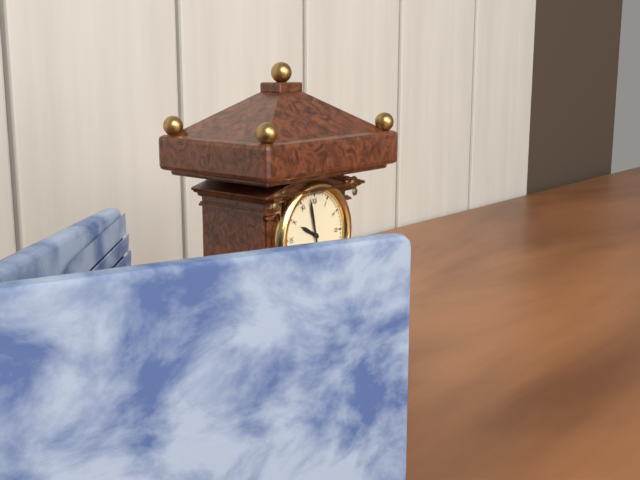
9:58
